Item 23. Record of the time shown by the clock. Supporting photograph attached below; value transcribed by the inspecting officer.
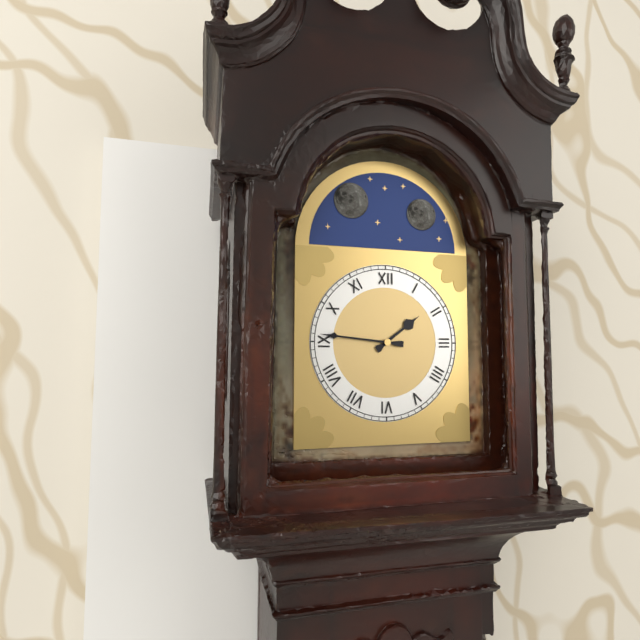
1:46
